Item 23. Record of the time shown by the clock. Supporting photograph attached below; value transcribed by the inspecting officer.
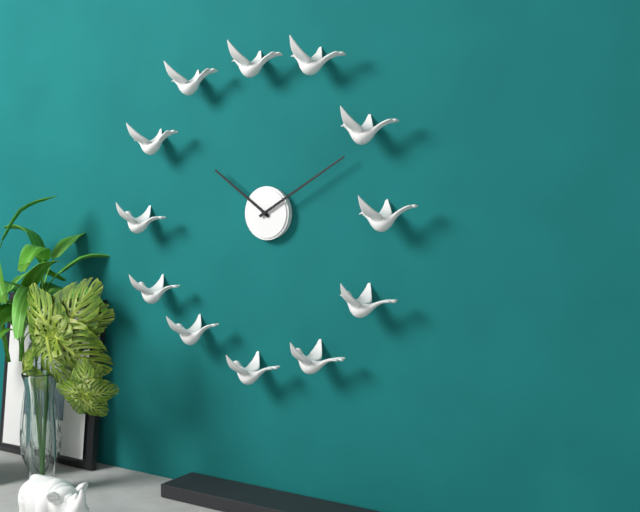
10:10
